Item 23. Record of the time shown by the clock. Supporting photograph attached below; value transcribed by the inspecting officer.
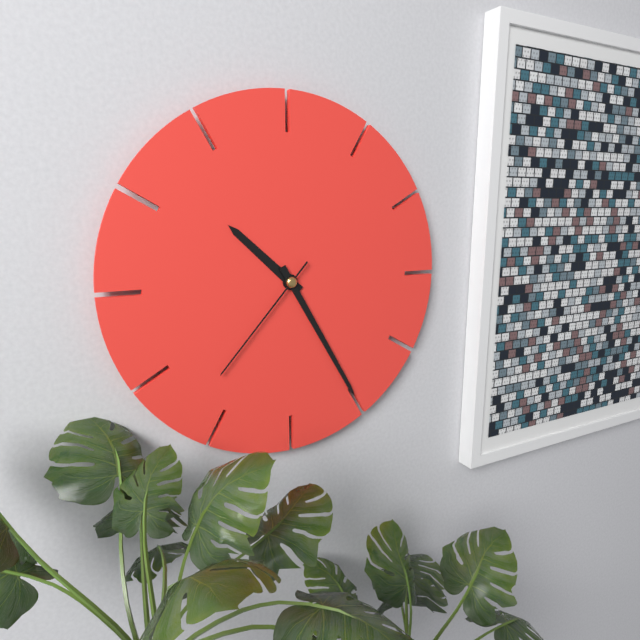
10:25:37
